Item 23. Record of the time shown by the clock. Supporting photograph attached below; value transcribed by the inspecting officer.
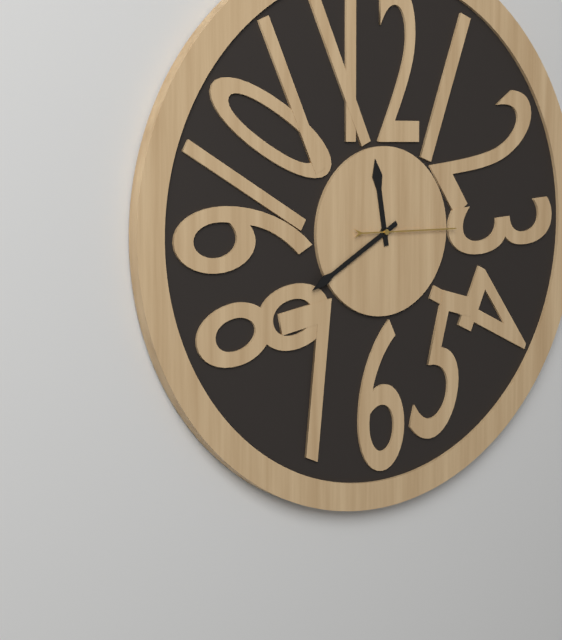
11:40:15
